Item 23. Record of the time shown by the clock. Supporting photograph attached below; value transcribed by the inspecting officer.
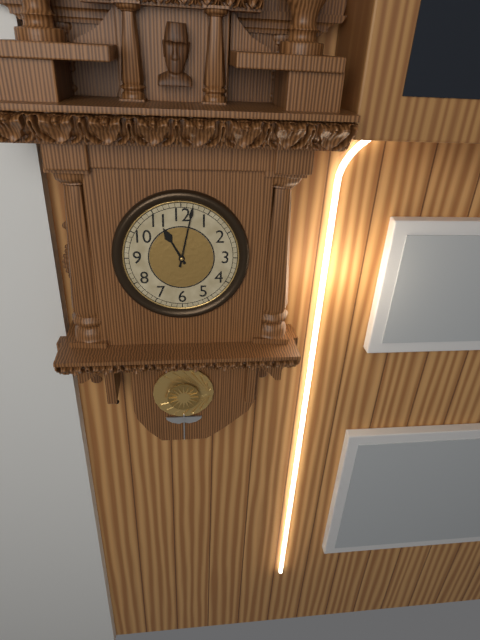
11:02
